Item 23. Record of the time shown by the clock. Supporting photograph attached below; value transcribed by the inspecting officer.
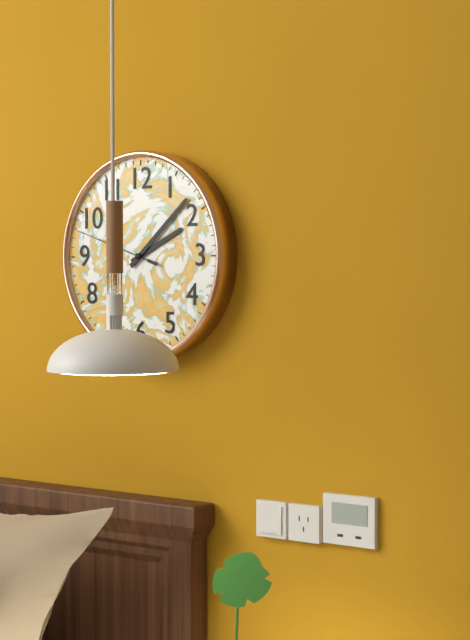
2:08:48
